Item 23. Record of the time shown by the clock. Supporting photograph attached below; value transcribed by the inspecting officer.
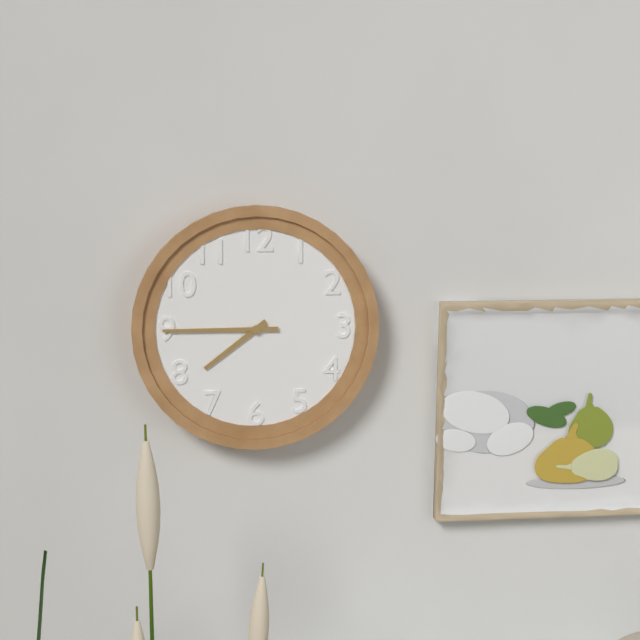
7:45
